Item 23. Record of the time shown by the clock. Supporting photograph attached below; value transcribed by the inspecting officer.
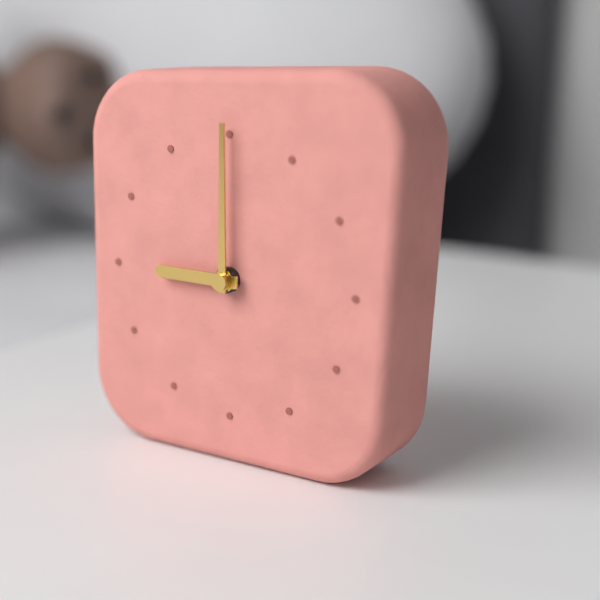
9:00
